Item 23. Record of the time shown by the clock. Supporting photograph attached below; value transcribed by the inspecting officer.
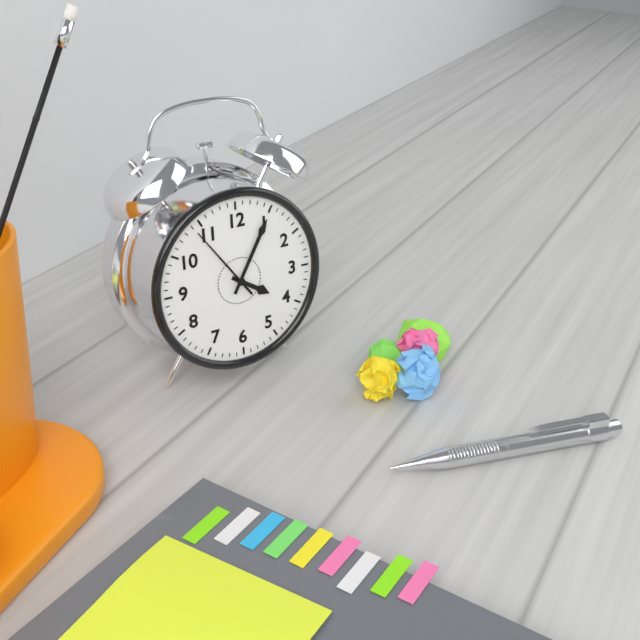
4:05:54
